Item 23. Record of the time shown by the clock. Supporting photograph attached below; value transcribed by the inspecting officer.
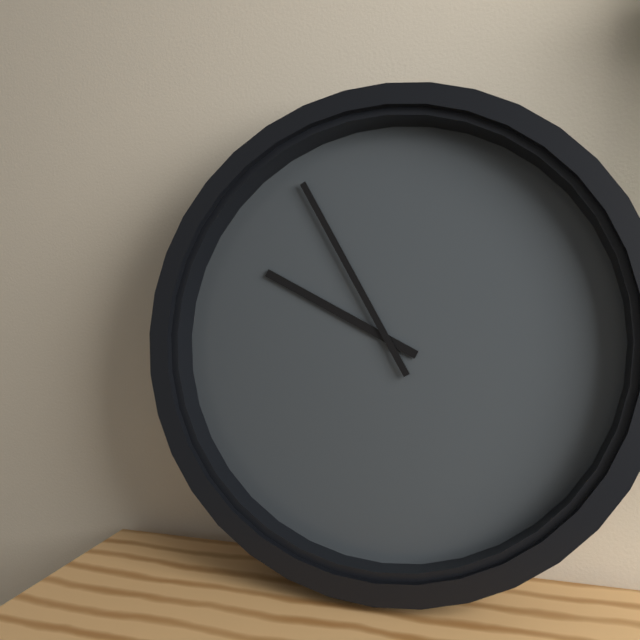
9:55
